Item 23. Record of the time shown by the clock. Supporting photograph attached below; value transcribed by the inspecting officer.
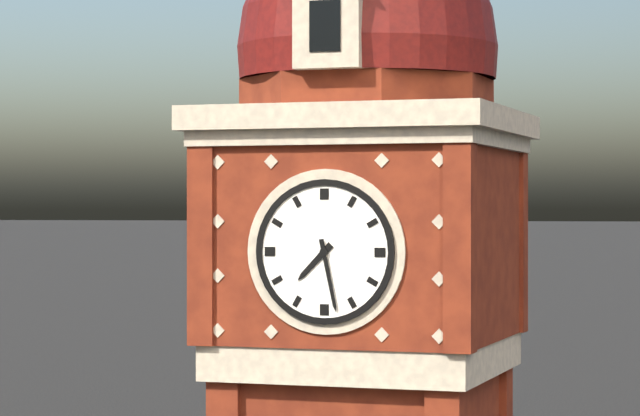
7:28
